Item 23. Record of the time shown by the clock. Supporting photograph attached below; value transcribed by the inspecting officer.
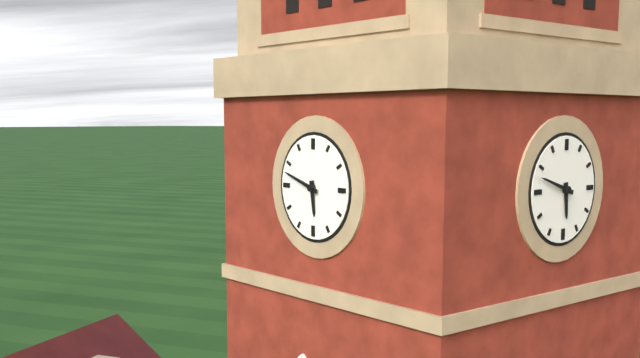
5:48
